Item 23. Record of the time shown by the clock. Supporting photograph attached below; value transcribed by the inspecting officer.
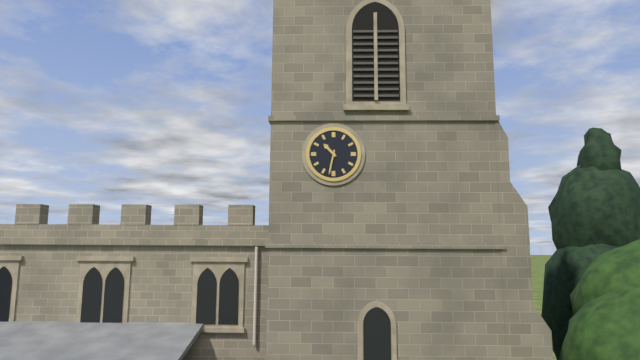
10:32
